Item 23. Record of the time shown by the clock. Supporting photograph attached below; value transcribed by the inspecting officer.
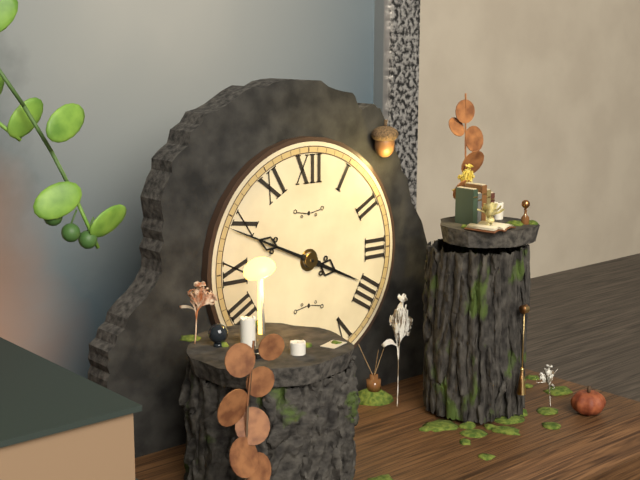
3:49
